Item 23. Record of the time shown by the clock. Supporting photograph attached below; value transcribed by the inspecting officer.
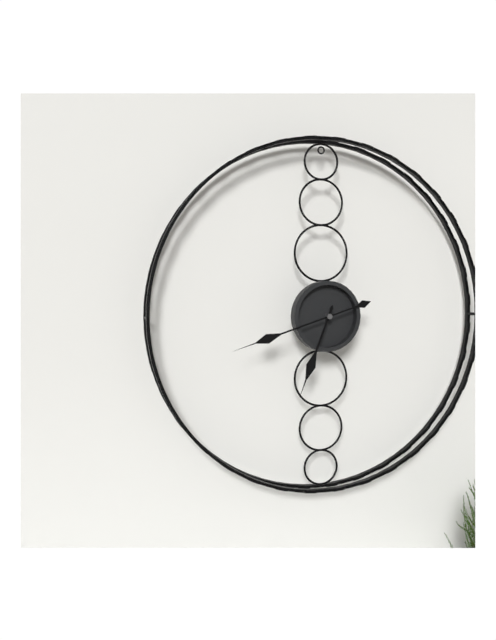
6:42
